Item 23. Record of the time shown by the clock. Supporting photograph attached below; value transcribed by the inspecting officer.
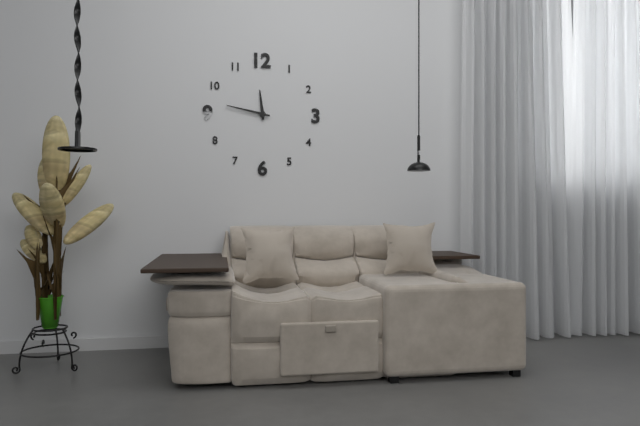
11:47
